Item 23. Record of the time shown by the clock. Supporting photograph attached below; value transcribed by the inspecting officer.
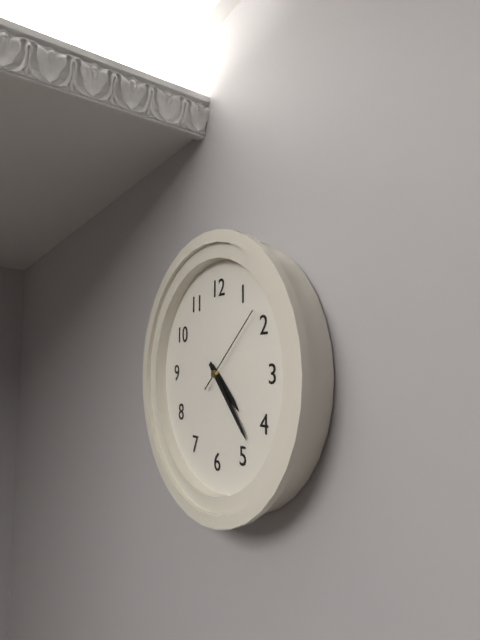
4:23:08
